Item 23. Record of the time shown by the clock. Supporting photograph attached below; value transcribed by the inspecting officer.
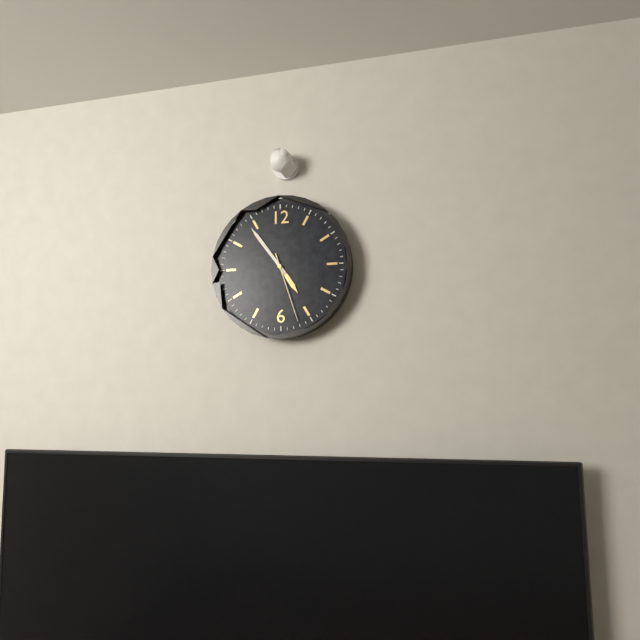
4:54:27
